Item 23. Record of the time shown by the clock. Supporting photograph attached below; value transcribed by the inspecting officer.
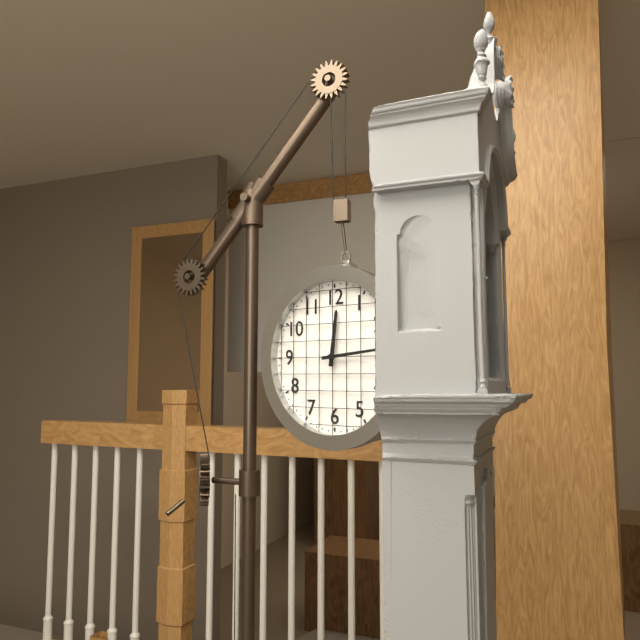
12:14
